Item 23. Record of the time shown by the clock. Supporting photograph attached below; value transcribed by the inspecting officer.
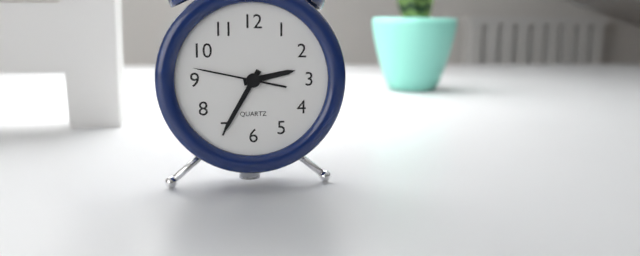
2:35:47
